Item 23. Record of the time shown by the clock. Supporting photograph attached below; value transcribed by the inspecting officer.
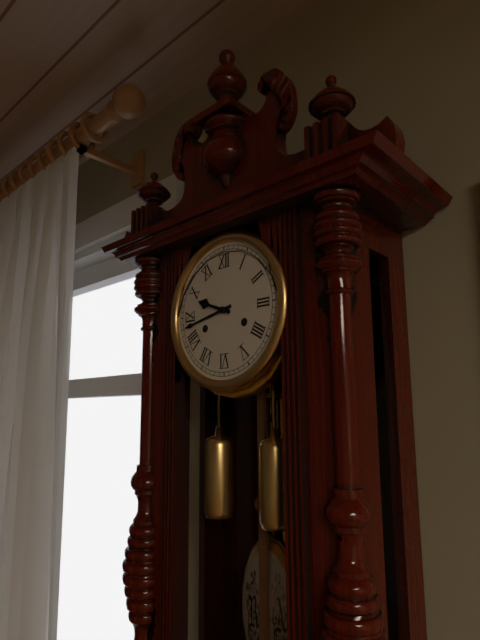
9:43
